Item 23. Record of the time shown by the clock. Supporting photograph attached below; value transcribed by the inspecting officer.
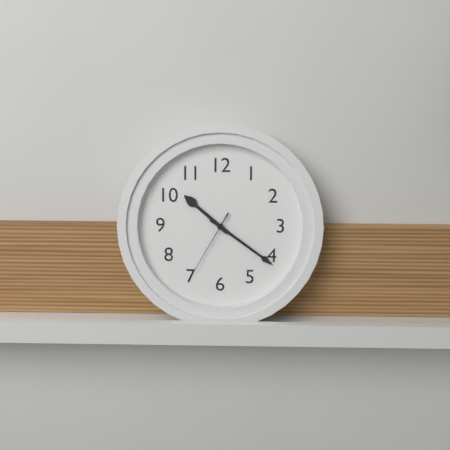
10:21:35
